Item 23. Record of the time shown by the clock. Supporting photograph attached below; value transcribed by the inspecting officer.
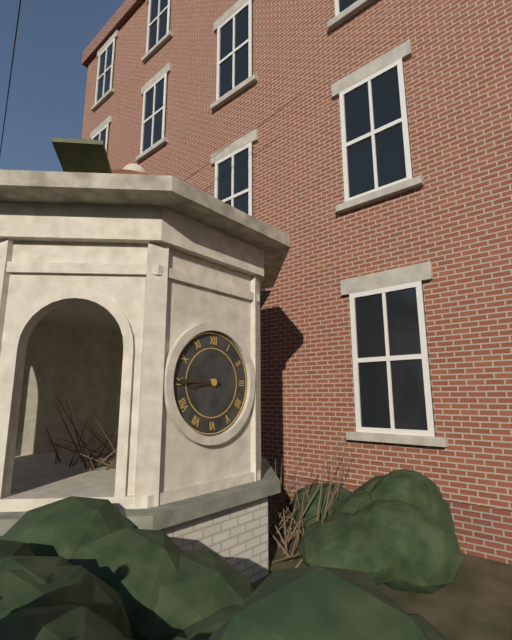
8:45
